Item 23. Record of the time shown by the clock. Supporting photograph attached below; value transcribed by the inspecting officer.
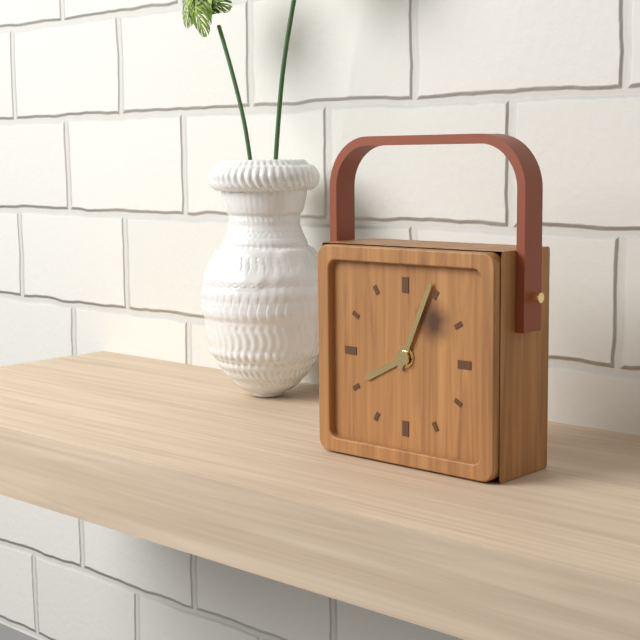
8:04
